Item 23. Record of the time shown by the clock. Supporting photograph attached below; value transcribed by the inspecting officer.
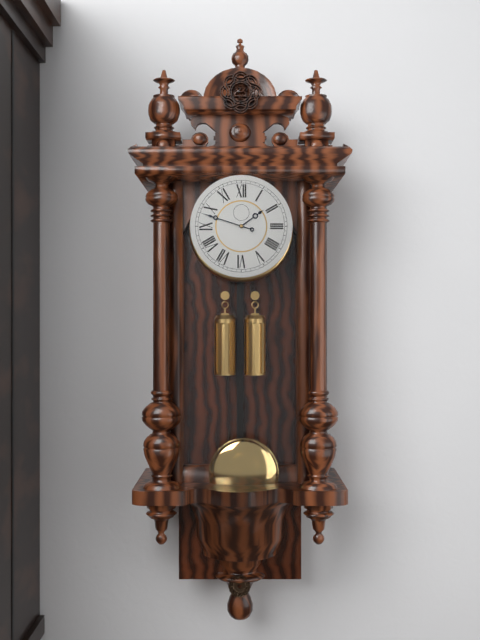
1:48
